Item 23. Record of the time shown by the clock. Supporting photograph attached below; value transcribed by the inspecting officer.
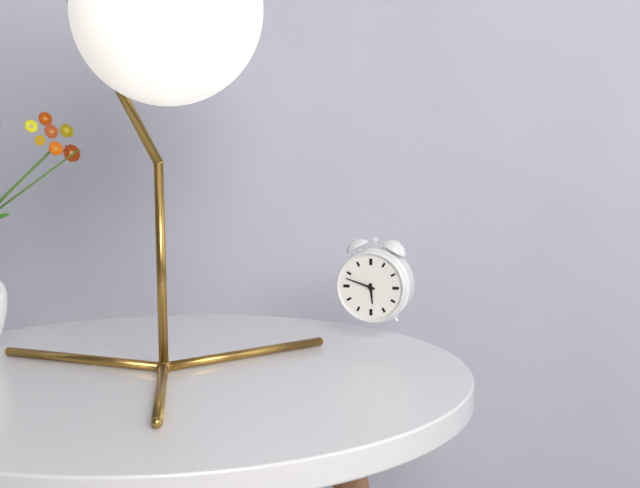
5:48
